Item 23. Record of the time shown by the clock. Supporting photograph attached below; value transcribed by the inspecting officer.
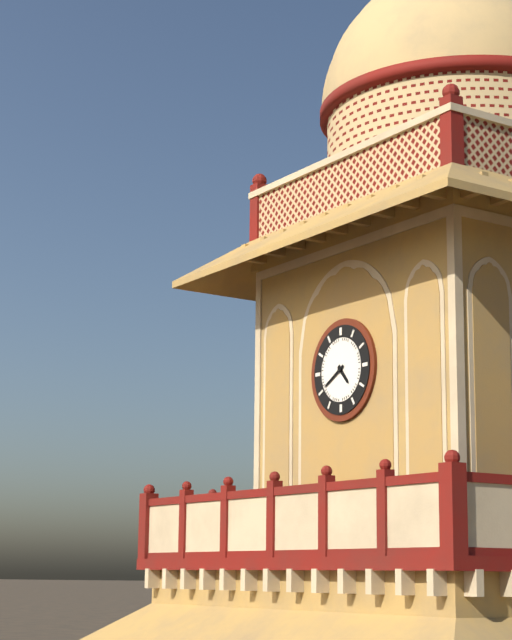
4:40
